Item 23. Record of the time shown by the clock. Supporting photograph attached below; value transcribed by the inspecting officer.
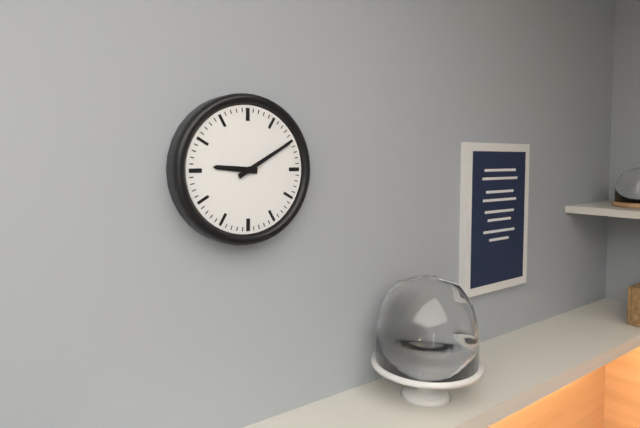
9:10
